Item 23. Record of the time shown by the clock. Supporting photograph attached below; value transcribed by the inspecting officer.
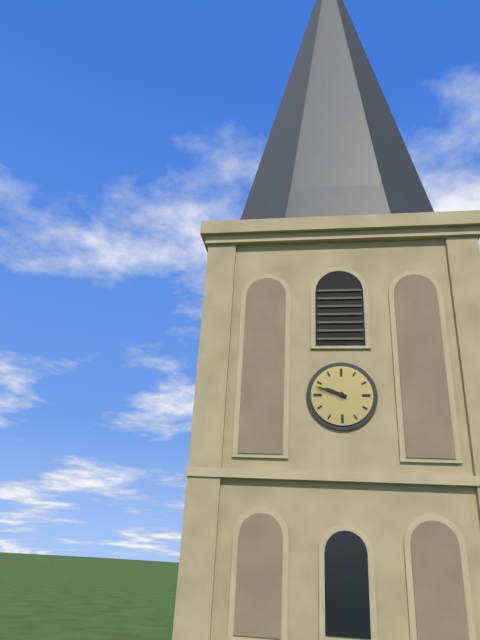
9:48
